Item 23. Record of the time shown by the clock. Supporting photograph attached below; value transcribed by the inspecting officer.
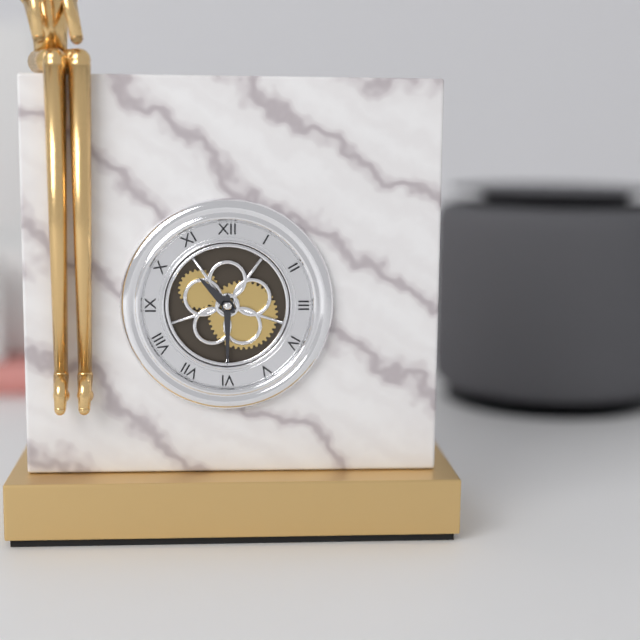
10:30
